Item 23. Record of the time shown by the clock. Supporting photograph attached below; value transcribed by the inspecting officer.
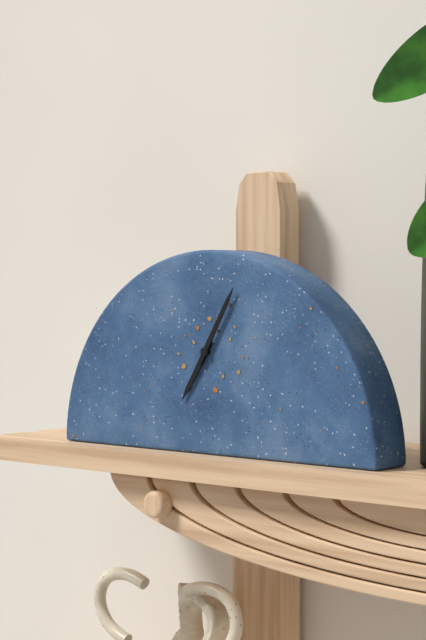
7:05
